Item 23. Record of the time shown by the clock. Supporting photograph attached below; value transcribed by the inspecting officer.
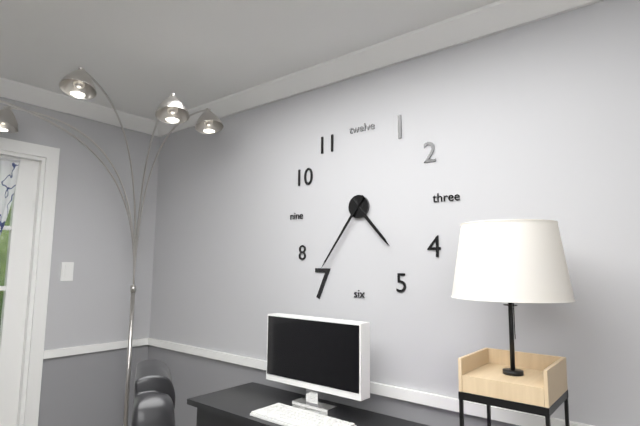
4:36
